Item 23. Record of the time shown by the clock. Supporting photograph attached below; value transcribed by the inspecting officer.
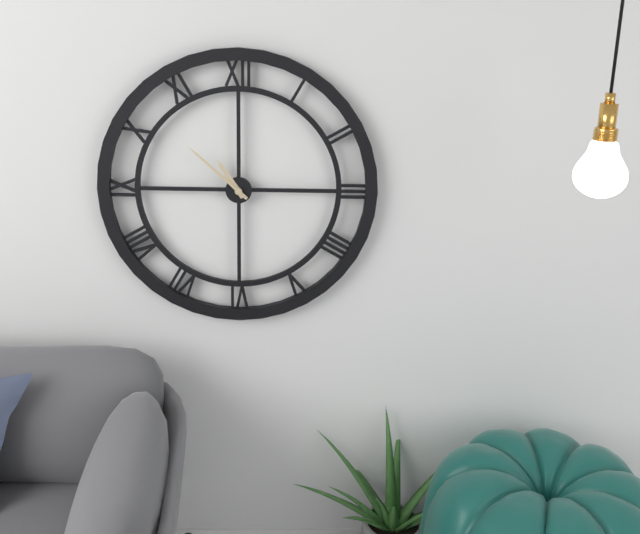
10:52
